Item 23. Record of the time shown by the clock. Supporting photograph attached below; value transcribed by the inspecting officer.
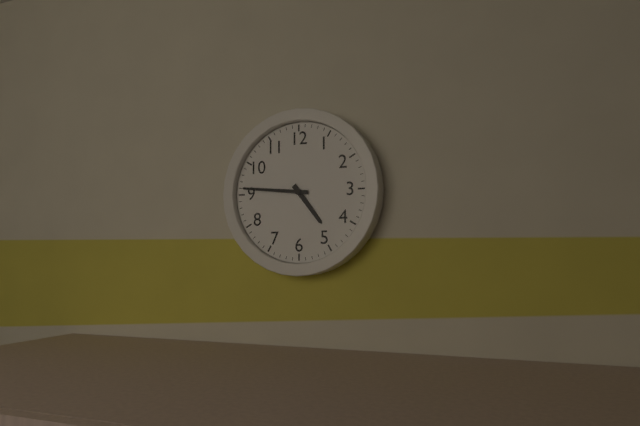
4:46
